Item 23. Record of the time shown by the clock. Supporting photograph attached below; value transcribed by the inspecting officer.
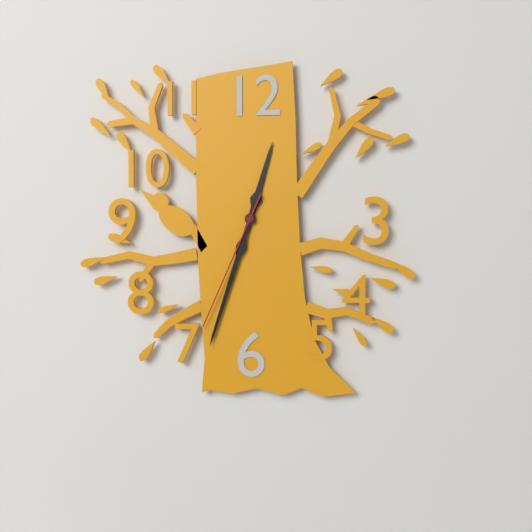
12:33:34
